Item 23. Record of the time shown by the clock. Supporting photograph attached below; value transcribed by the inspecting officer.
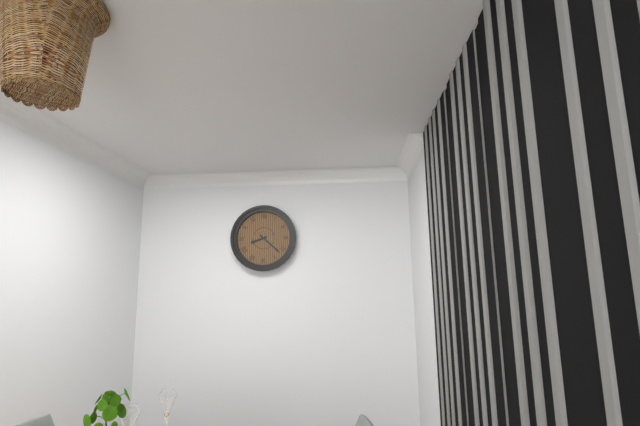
8:22
